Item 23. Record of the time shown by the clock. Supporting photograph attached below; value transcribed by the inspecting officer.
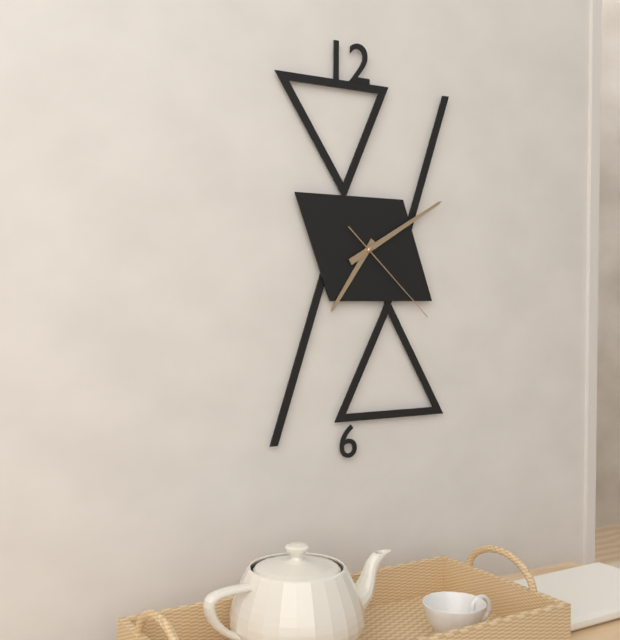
7:10:22
